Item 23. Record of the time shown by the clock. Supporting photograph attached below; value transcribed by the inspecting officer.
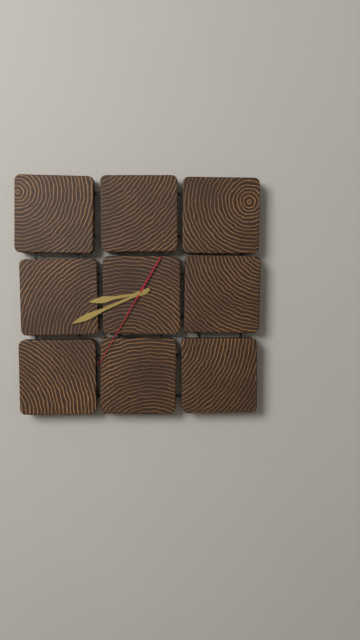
8:41:35
